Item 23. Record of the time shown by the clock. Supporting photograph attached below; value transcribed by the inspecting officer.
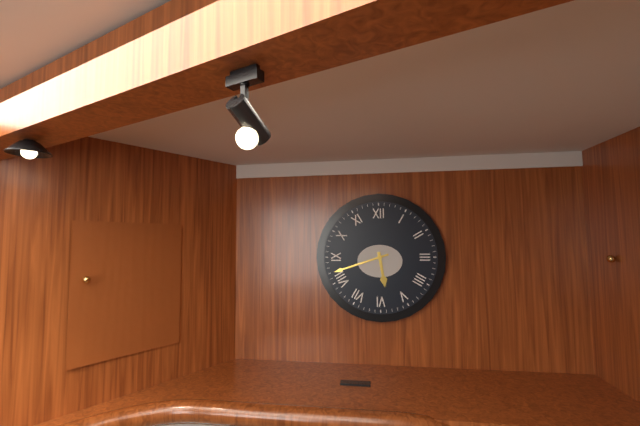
5:42
